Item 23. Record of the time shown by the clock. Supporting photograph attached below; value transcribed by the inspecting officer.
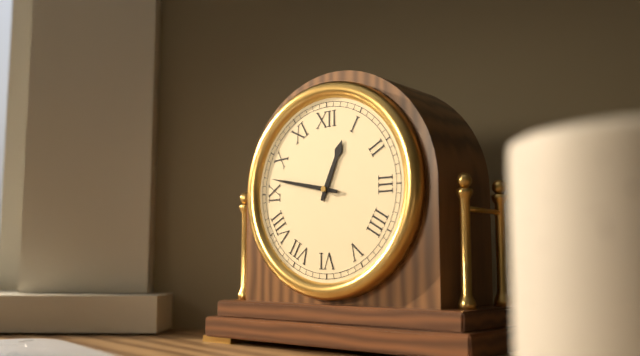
12:47
